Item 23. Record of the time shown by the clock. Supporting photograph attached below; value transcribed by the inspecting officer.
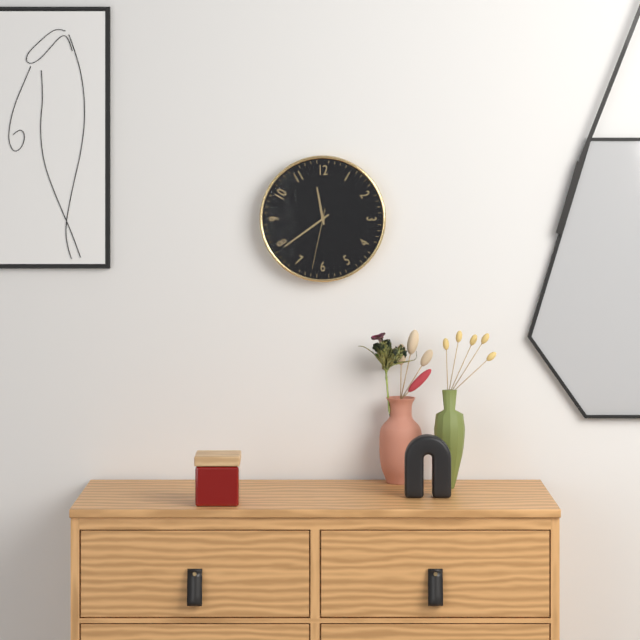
11:39:32
